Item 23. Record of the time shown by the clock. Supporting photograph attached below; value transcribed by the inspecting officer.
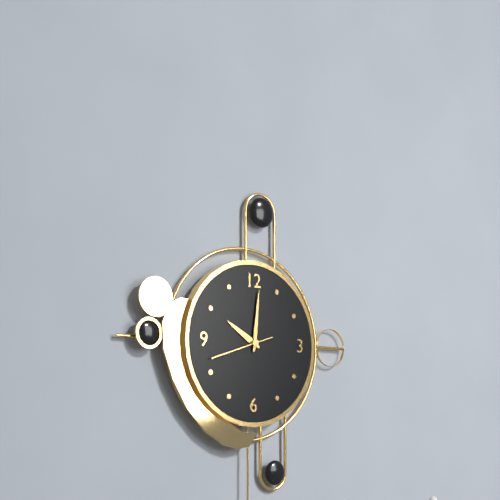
10:01
